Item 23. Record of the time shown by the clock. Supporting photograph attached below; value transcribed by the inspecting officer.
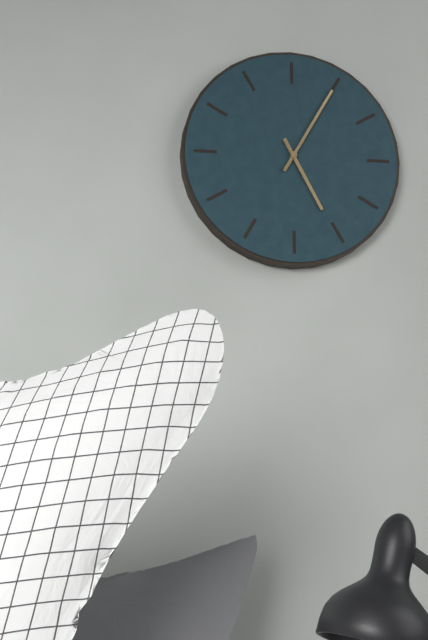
5:05
